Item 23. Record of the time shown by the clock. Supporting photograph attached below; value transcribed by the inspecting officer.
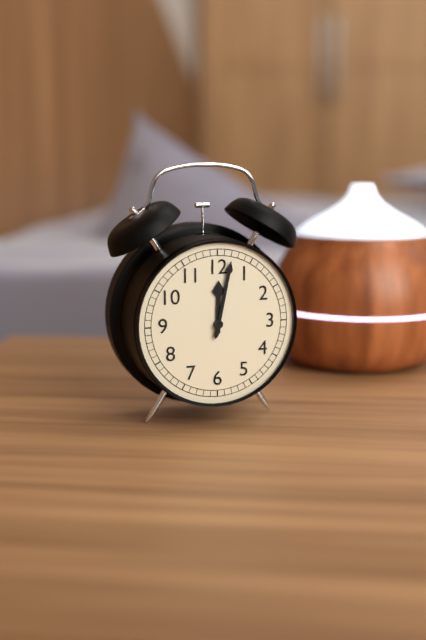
12:02
